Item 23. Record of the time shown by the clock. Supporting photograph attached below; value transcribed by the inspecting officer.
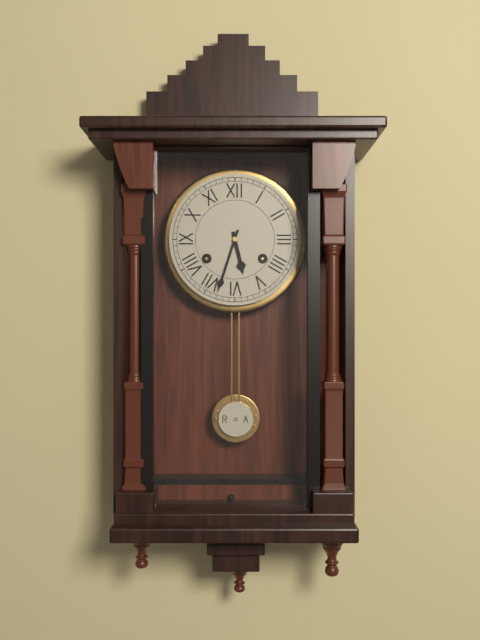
5:33
